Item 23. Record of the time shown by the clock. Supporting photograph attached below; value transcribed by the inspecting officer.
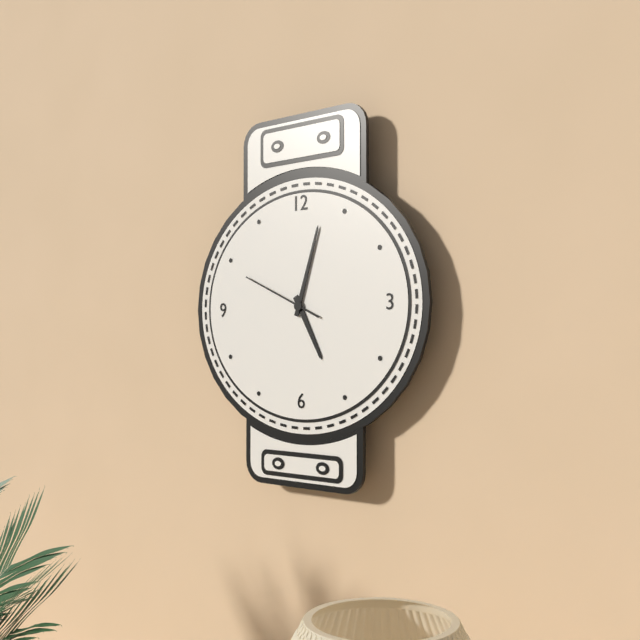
5:03:49
